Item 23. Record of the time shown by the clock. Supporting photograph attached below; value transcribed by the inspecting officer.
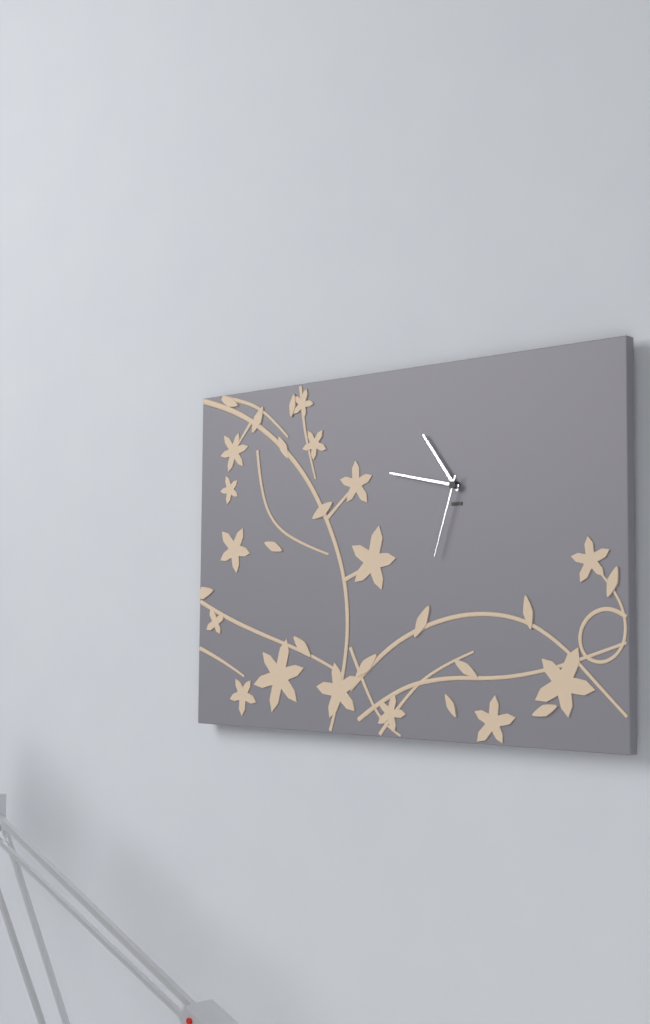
10:47:33
